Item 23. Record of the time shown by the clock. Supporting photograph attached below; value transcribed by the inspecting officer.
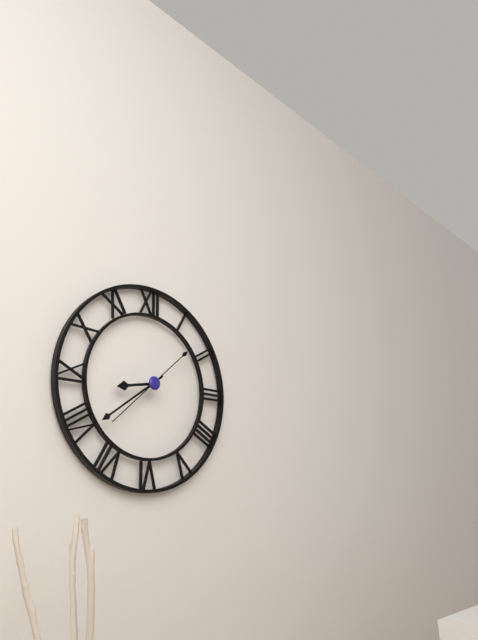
8:39:38
